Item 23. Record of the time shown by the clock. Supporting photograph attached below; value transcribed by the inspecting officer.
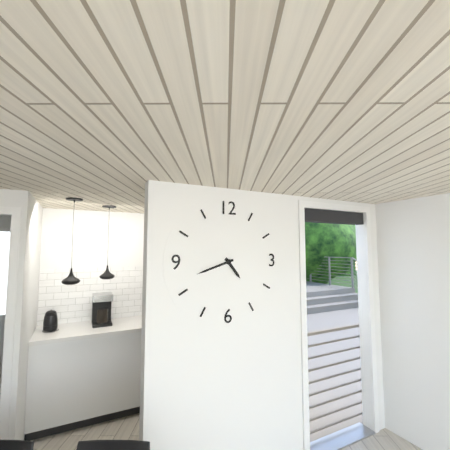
4:42
